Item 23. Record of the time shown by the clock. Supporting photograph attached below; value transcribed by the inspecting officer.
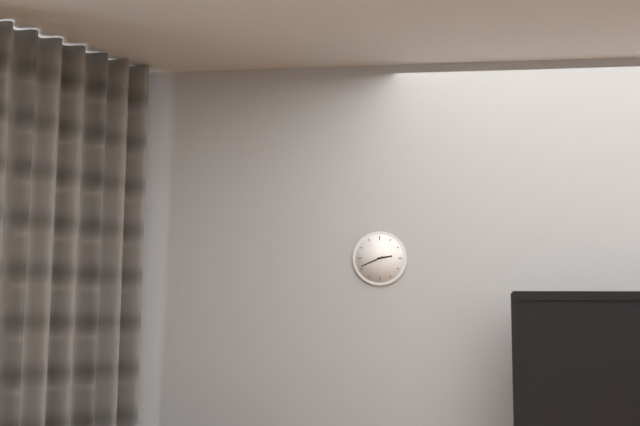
2:41
